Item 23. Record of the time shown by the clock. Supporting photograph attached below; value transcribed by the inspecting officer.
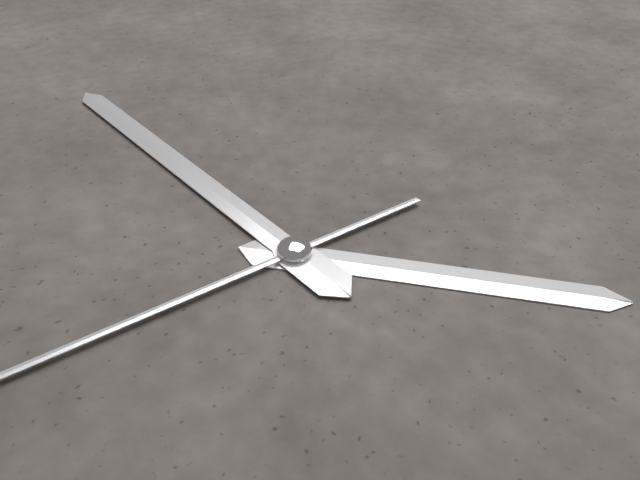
3:56
